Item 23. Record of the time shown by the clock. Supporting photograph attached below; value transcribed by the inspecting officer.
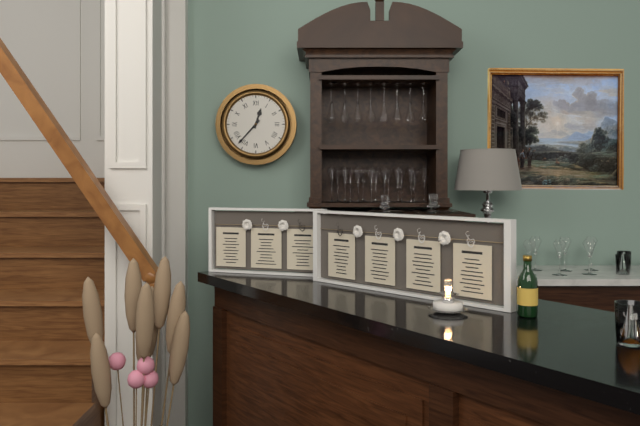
12:37
